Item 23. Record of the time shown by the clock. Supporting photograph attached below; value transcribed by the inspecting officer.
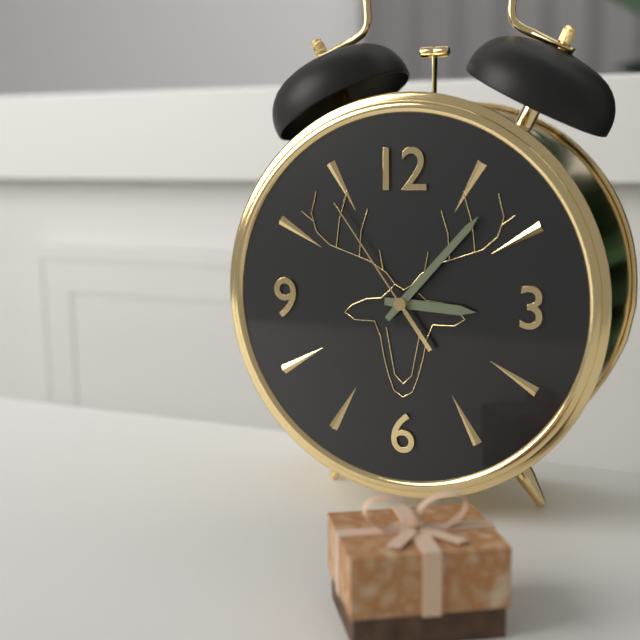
3:07:54
